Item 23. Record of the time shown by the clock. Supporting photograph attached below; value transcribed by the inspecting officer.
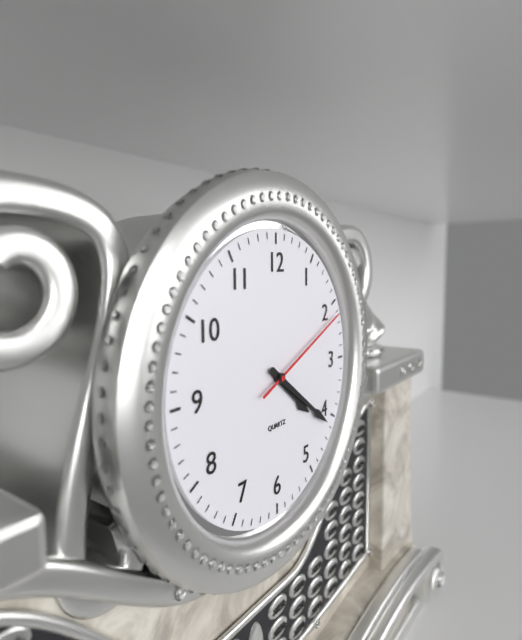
4:21:11
